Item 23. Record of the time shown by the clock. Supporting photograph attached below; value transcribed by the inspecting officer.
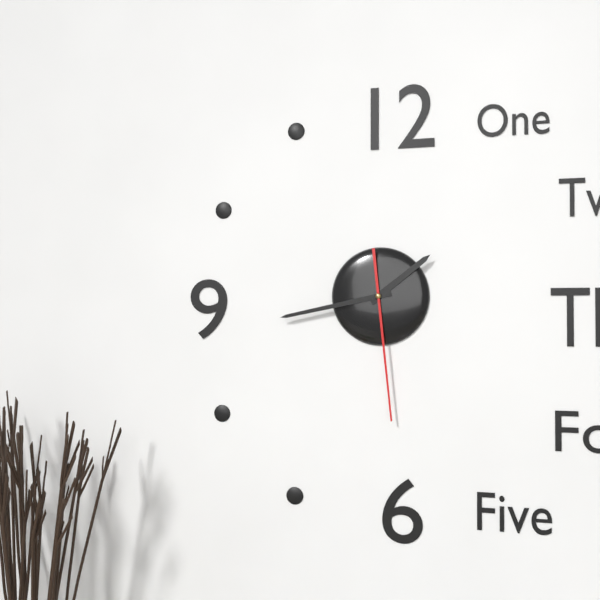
1:43:29
